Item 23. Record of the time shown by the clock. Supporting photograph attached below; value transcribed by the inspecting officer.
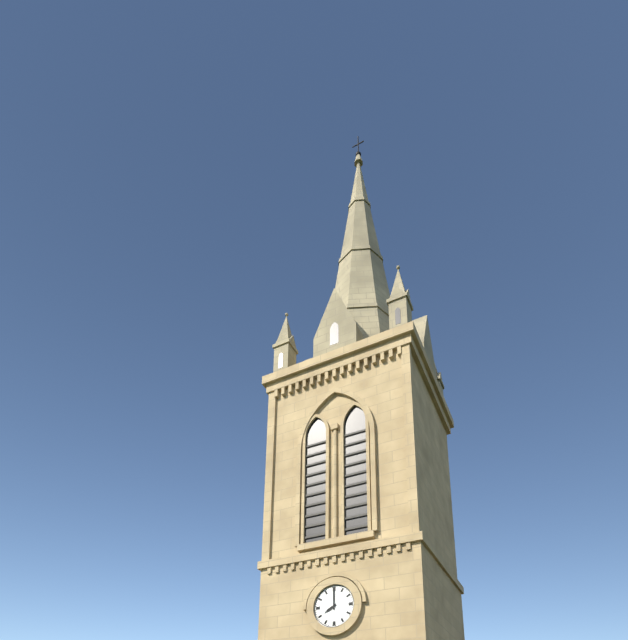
8:00
